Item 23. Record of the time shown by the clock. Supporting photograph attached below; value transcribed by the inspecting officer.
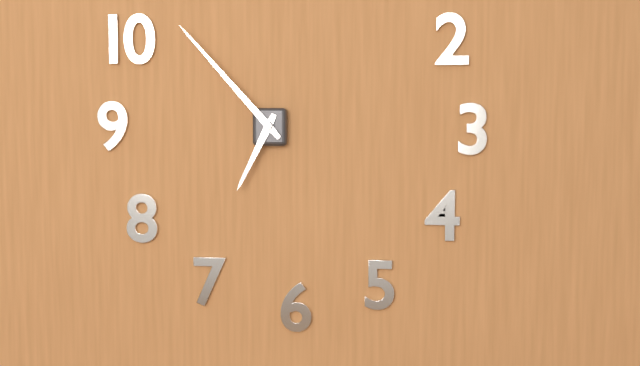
6:53
